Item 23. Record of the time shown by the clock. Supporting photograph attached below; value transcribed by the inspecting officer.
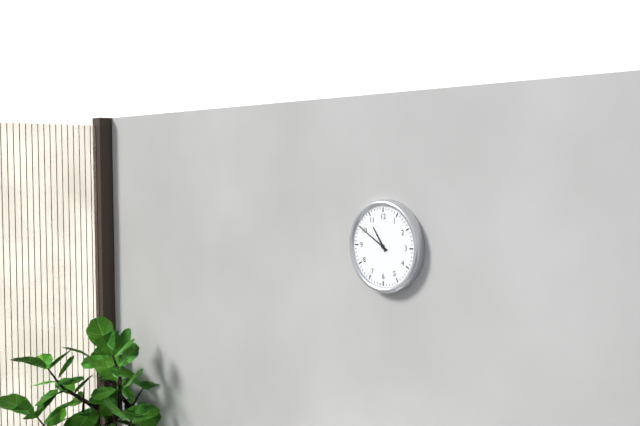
10:50
